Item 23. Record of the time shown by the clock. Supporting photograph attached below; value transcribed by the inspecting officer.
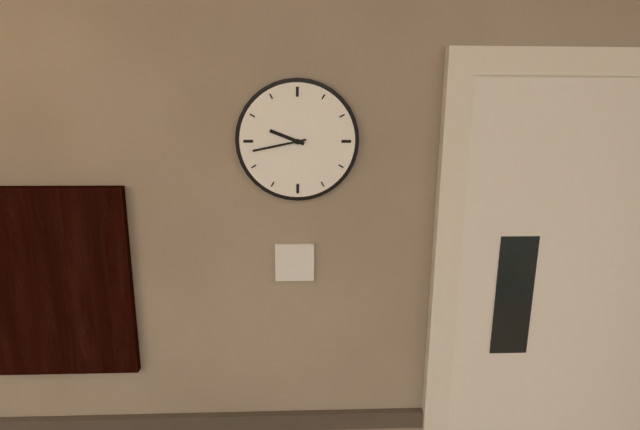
9:43
